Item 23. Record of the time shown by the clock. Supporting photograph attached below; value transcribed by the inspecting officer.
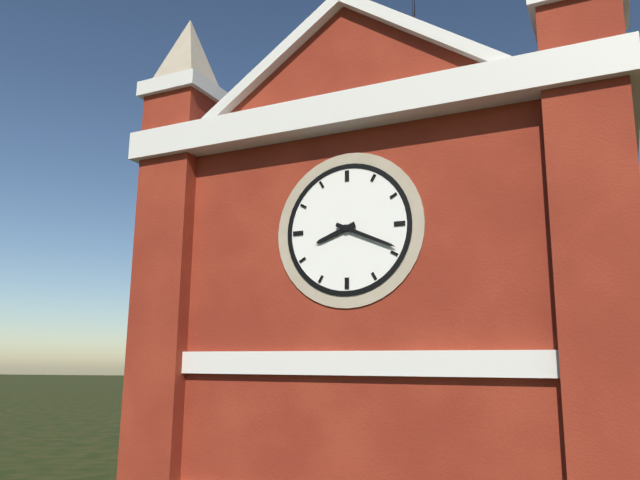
8:19
